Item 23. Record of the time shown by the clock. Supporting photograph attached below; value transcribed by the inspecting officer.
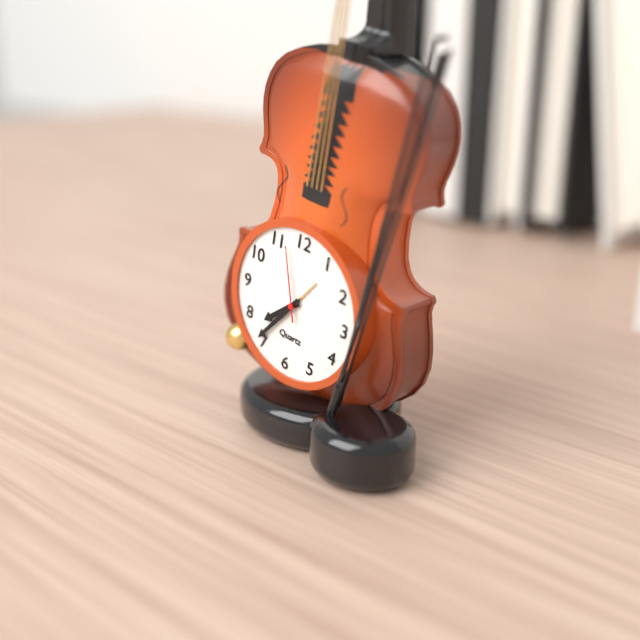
7:36:57
